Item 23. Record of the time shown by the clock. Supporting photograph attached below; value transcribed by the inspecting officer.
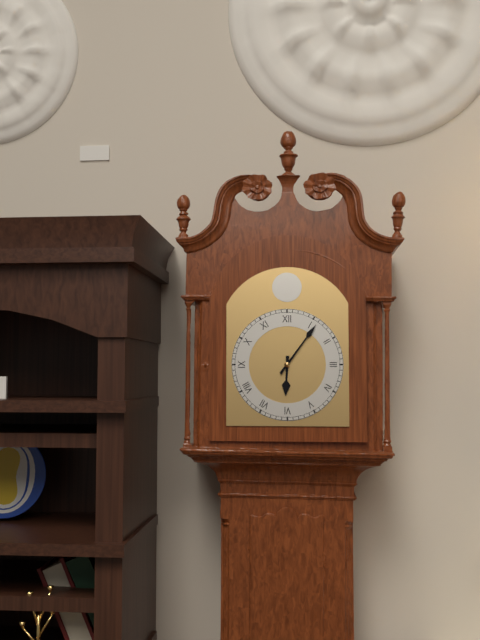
6:06
